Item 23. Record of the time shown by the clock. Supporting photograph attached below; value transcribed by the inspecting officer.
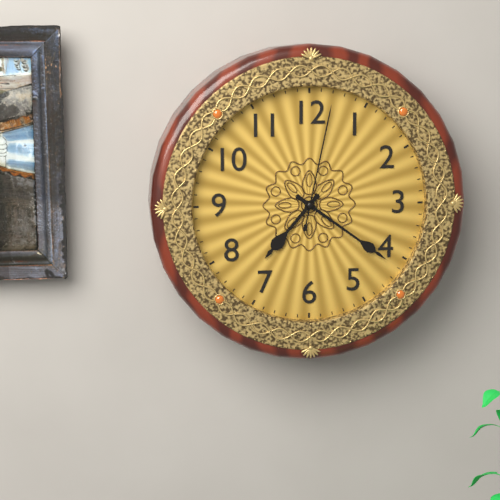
7:21:02
